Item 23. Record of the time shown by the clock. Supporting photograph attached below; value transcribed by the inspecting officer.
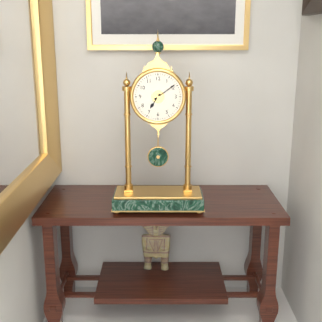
7:09
